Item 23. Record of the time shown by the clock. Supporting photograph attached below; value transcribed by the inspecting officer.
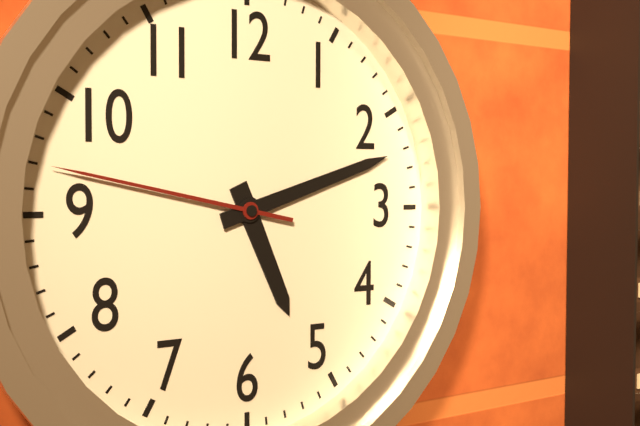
5:12:47
